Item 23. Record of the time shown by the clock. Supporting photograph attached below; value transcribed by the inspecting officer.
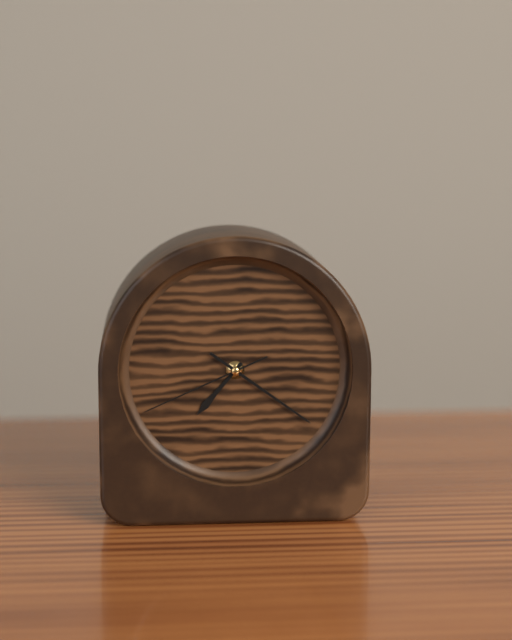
7:21:41
